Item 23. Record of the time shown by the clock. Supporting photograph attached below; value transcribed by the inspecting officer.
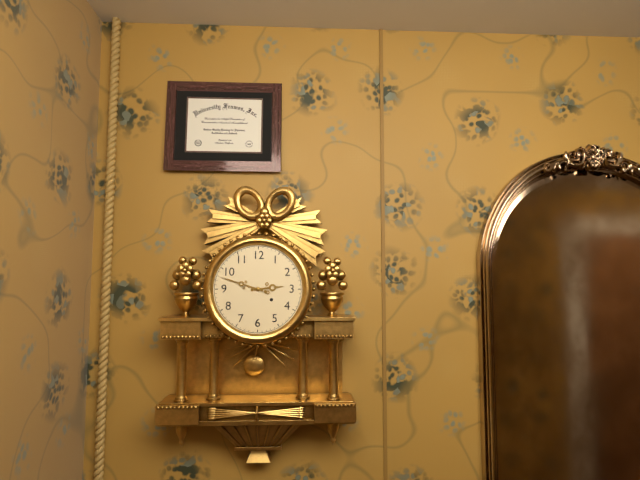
2:48
